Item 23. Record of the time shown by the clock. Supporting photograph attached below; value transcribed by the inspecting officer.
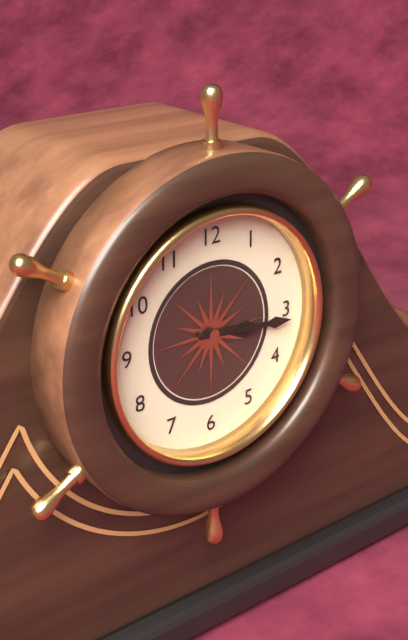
3:16
